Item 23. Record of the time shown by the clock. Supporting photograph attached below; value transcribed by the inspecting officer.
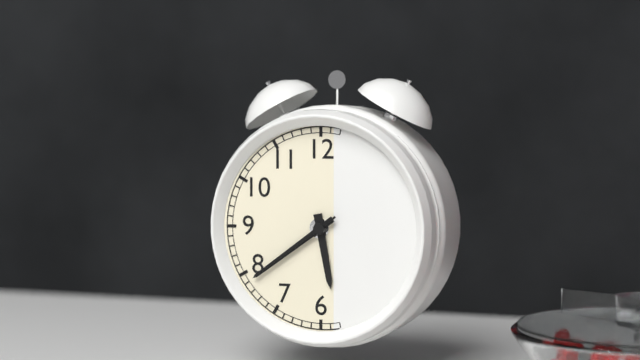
5:39:39
